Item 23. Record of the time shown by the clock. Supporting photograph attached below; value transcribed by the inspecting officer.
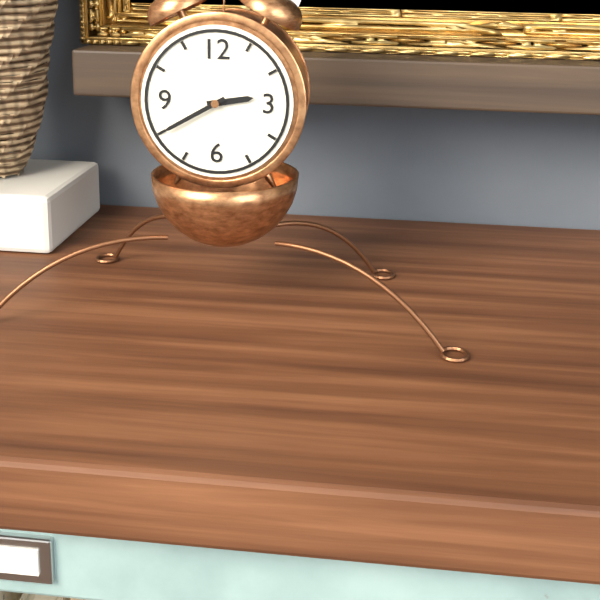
2:40
